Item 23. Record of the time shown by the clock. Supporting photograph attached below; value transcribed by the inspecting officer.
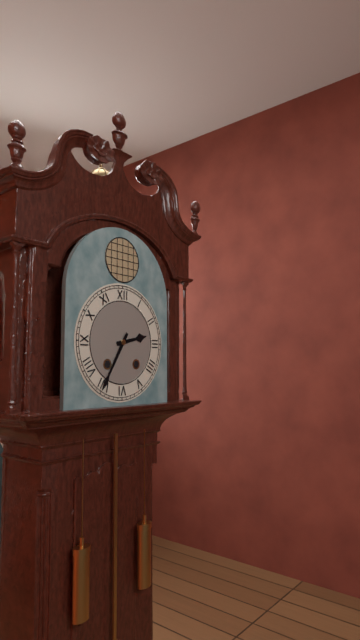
2:35
